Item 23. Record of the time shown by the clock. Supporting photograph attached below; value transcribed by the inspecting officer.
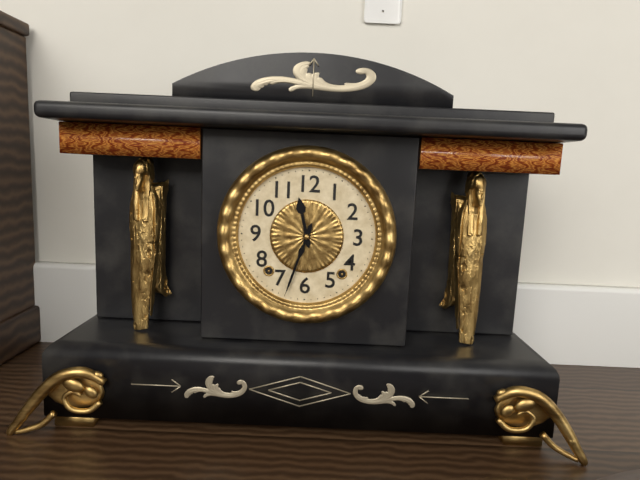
11:33
